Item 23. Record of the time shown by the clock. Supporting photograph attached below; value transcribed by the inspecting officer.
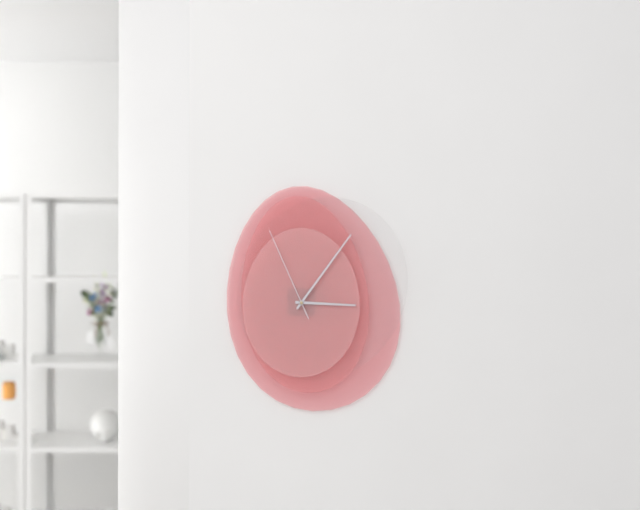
3:06:56
